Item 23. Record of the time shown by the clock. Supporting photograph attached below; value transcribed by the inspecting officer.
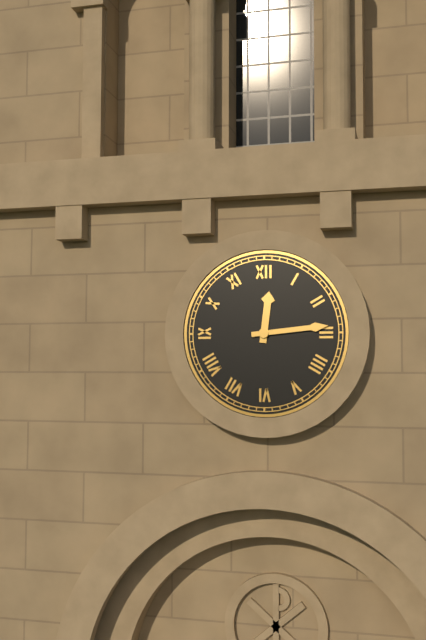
12:14
